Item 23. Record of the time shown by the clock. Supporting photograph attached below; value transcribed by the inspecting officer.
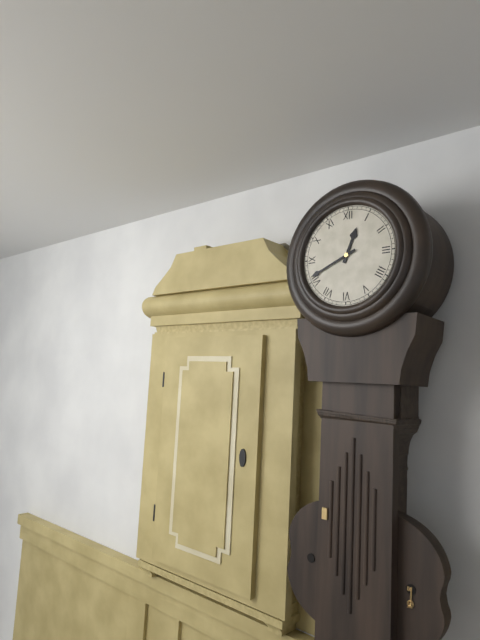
12:41
